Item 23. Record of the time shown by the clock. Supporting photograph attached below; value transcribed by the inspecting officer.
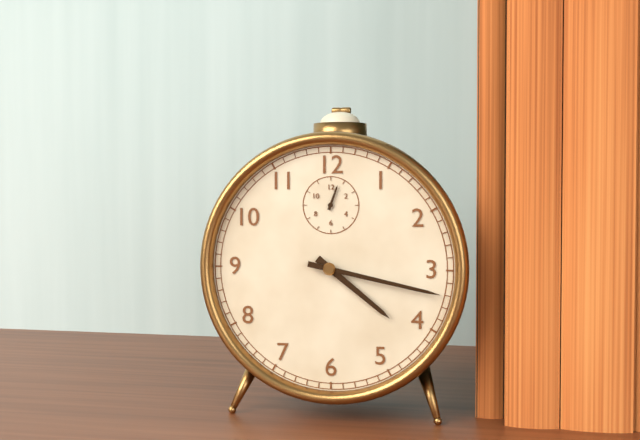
4:17
